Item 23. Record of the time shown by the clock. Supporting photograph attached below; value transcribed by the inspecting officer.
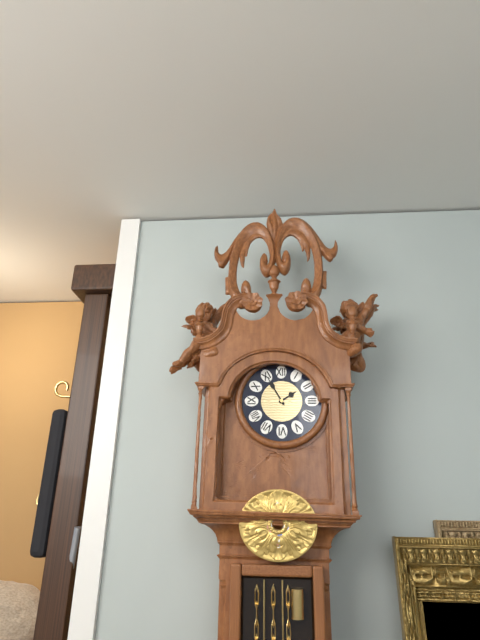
1:55
